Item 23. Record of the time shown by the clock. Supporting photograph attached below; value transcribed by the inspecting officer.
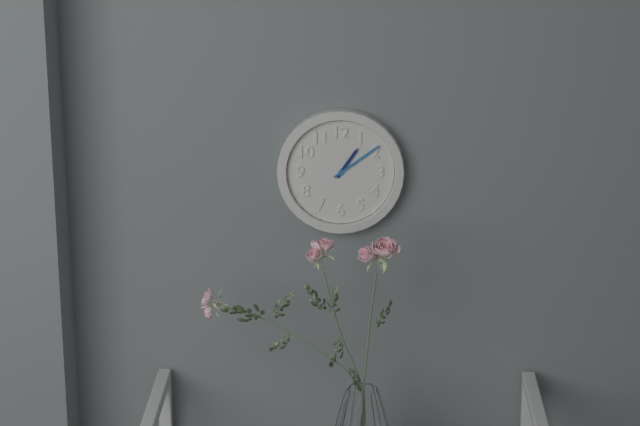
1:09
